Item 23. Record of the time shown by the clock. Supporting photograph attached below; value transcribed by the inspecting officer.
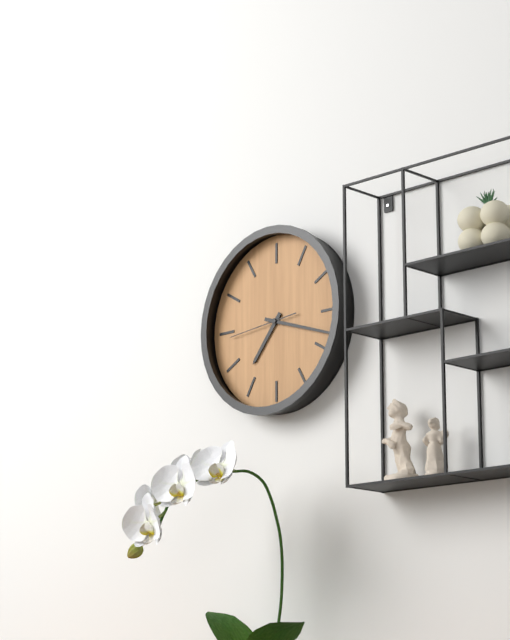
7:18:44
